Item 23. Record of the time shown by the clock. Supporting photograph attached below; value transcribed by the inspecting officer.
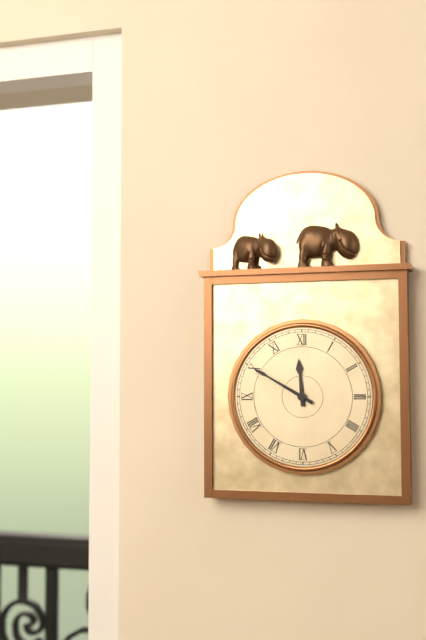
11:50
